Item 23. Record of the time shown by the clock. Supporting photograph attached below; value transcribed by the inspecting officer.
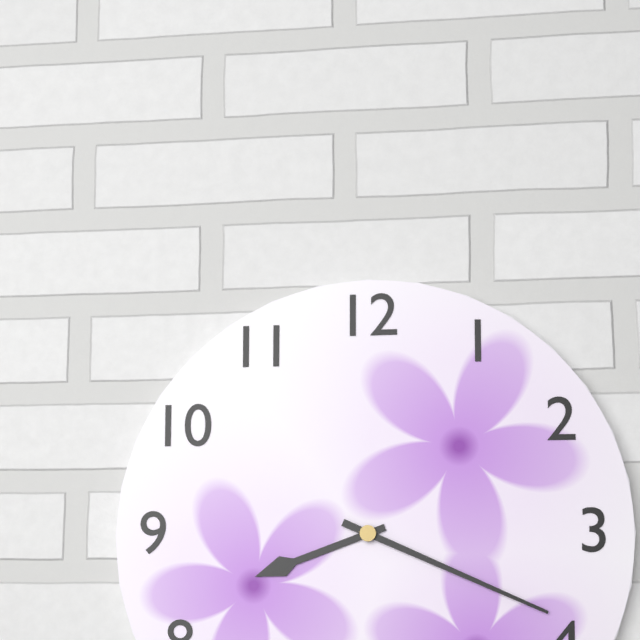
8:19
